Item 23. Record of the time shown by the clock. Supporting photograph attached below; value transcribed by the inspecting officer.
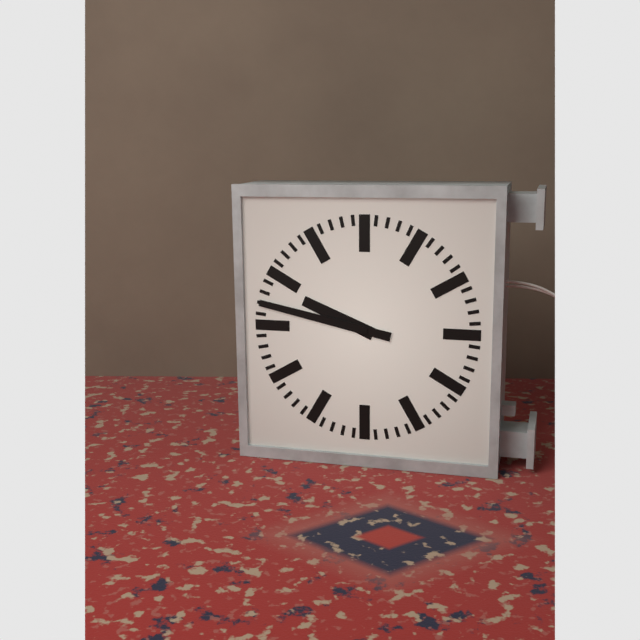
9:47
